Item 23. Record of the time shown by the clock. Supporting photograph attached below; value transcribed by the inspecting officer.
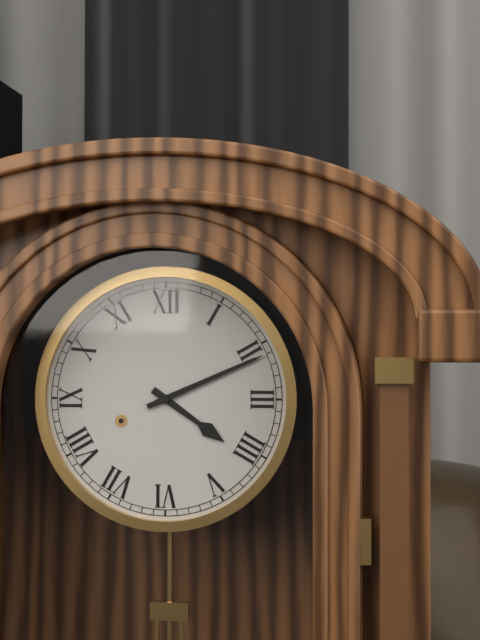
4:11
